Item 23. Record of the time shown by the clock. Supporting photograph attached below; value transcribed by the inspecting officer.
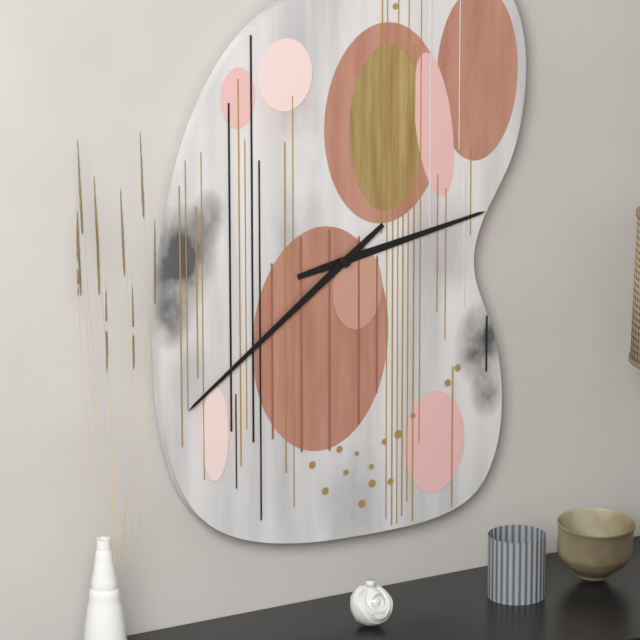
2:39
